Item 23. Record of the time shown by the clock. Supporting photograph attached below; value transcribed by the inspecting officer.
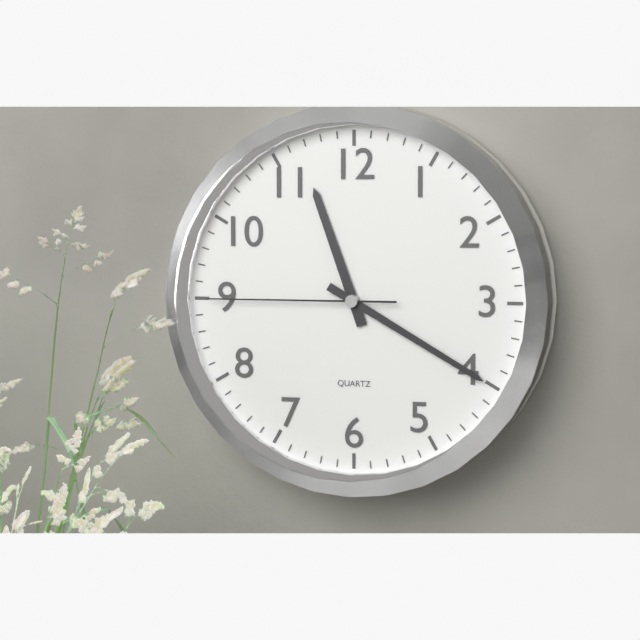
11:20:45
